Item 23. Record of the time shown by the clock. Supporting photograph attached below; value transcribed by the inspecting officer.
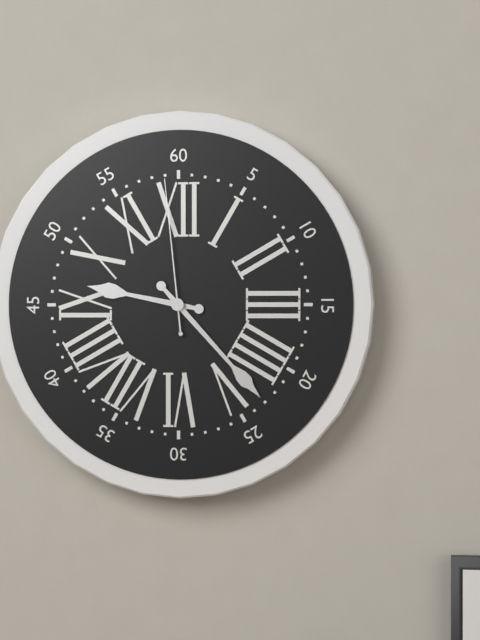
9:23:59
